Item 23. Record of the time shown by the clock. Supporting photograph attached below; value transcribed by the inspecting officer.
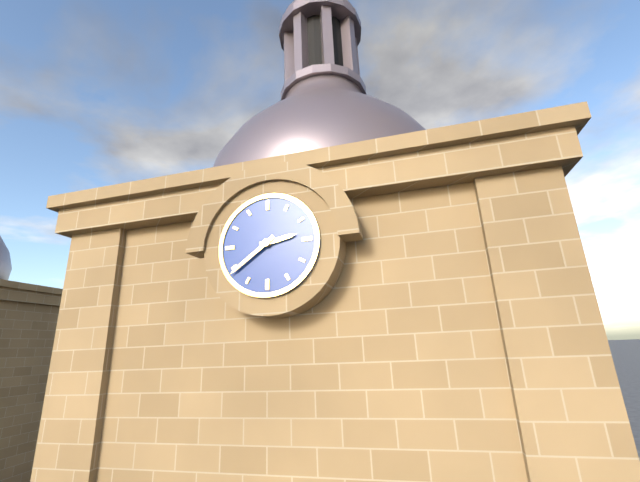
2:39
